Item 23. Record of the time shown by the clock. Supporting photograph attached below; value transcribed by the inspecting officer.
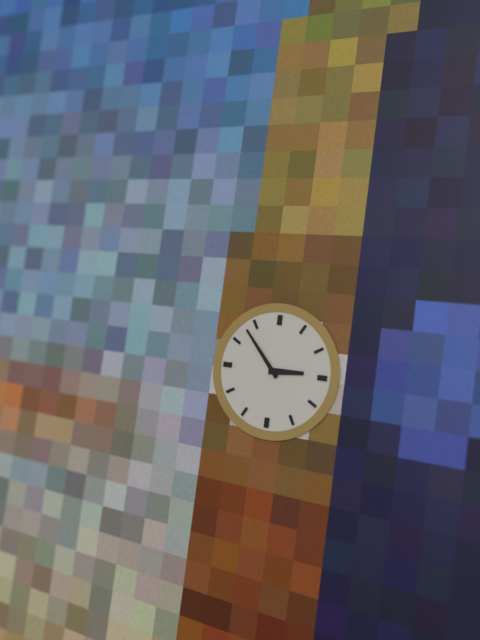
2:53
